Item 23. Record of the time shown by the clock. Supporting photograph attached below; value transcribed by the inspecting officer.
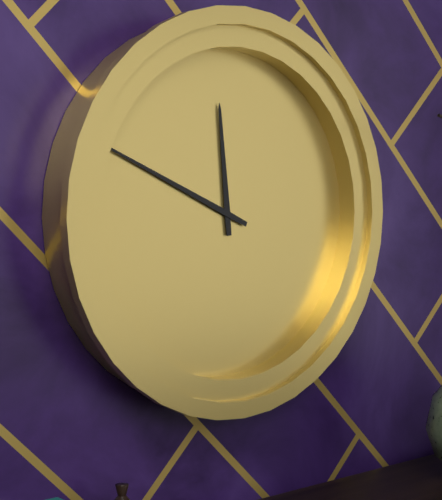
11:49
